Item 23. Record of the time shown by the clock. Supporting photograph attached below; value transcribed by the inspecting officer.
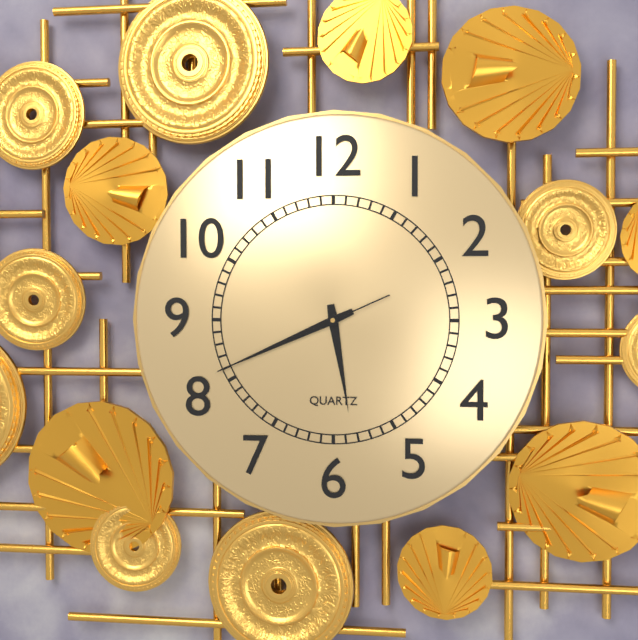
5:41:41
